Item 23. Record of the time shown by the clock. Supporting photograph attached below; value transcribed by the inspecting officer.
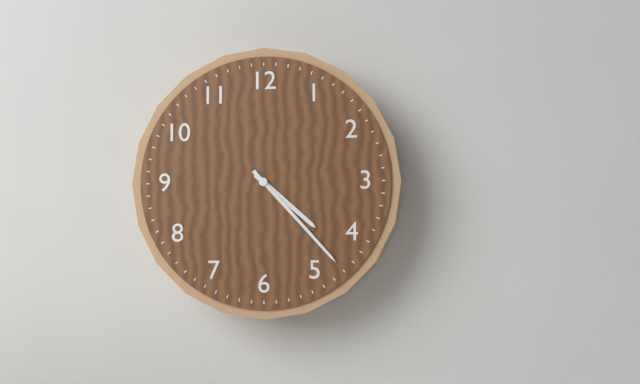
4:23
